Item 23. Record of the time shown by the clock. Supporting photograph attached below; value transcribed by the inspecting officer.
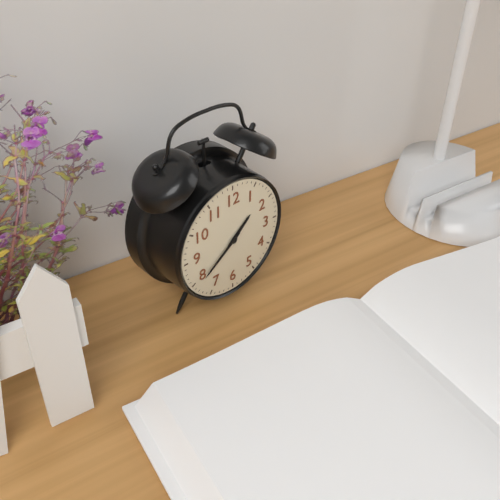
1:39
